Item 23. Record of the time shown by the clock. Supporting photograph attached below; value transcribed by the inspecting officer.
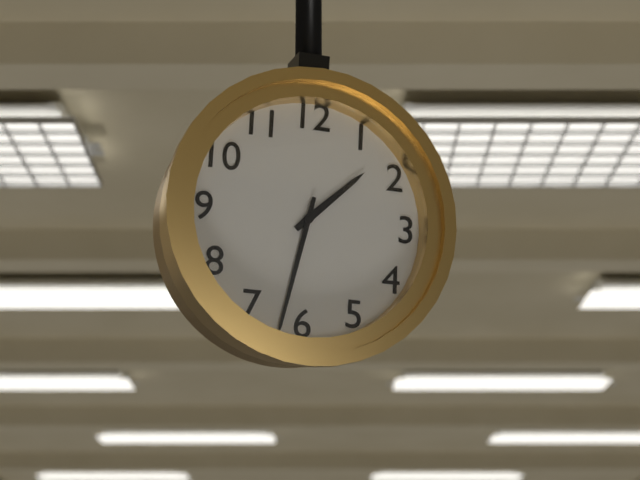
1:32
